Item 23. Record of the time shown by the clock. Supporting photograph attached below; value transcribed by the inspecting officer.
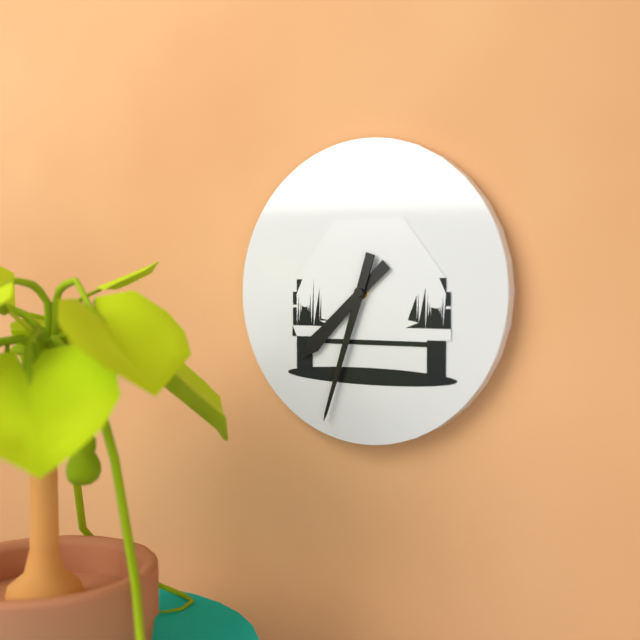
7:33
